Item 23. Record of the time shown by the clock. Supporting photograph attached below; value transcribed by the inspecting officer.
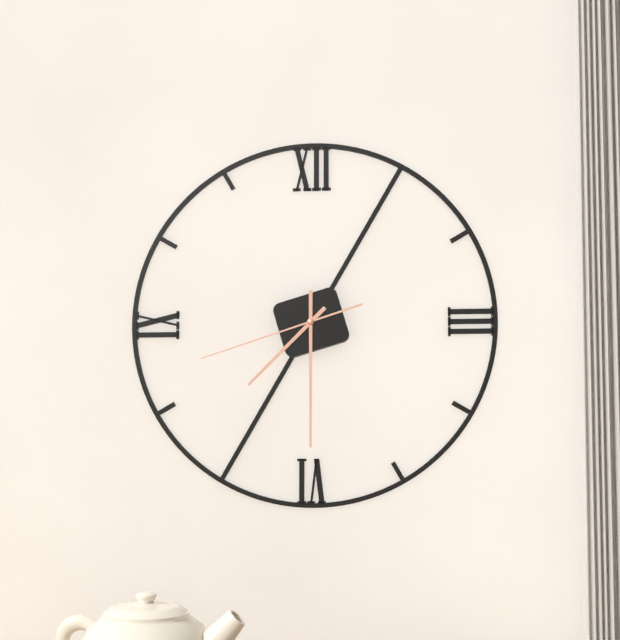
7:30:42
